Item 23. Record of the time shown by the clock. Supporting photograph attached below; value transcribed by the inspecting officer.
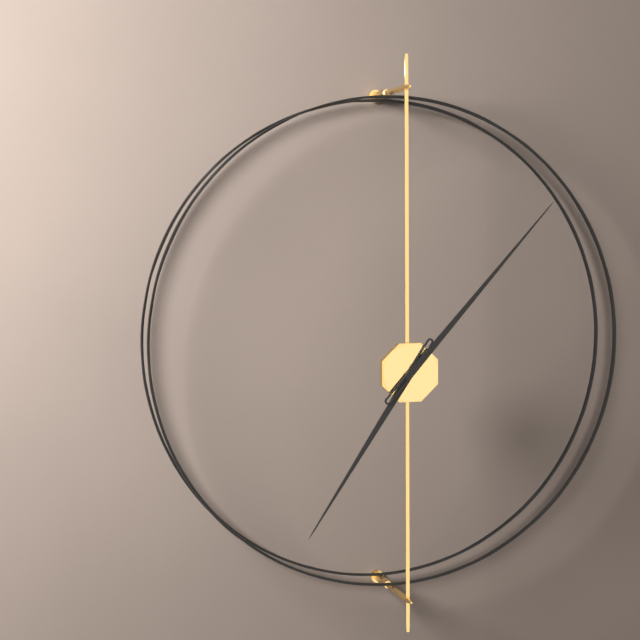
7:07
